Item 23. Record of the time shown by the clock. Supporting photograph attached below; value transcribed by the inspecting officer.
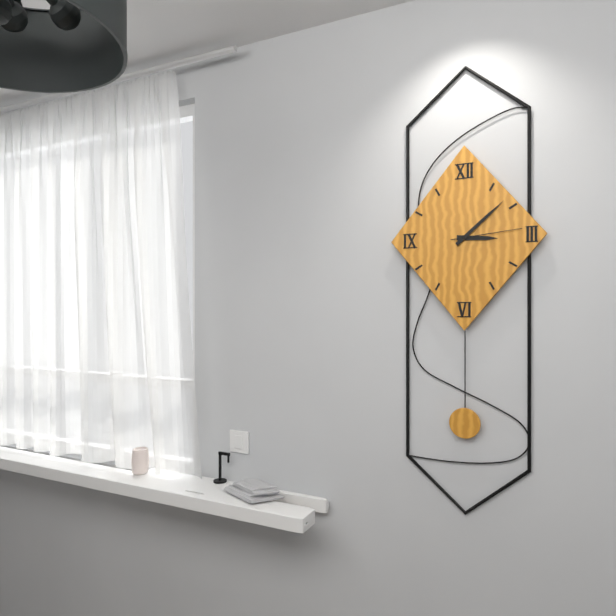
3:08:14
